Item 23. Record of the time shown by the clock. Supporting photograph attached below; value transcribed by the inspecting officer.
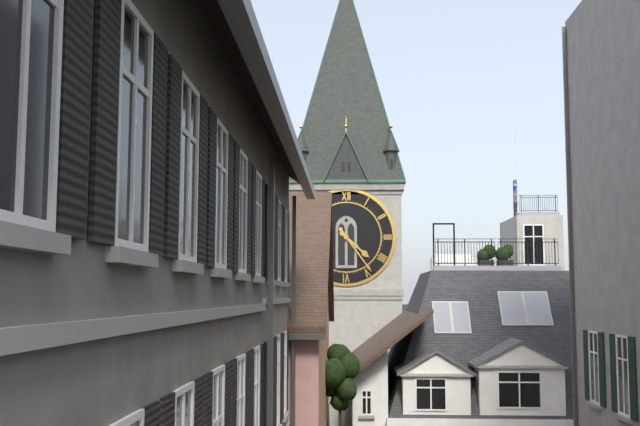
4:24
